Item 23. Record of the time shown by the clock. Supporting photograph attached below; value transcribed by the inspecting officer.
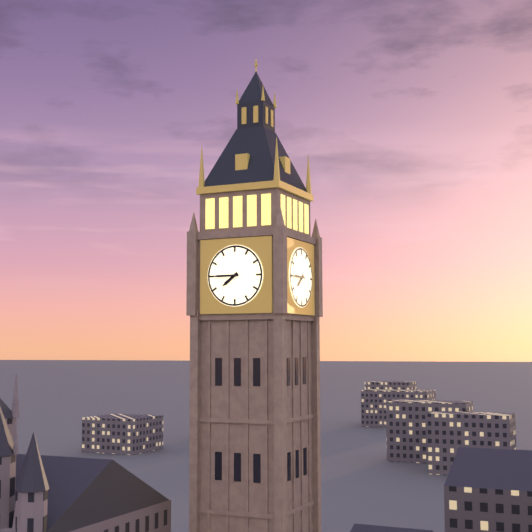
7:45
